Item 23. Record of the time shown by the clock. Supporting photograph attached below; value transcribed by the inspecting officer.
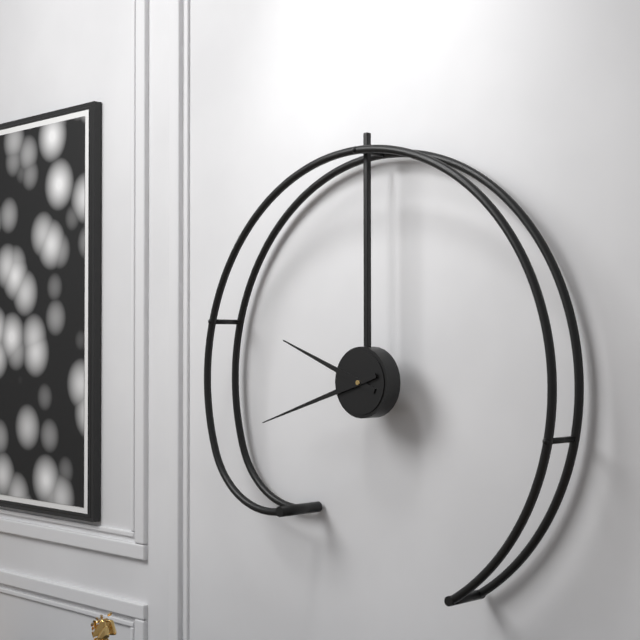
9:42
